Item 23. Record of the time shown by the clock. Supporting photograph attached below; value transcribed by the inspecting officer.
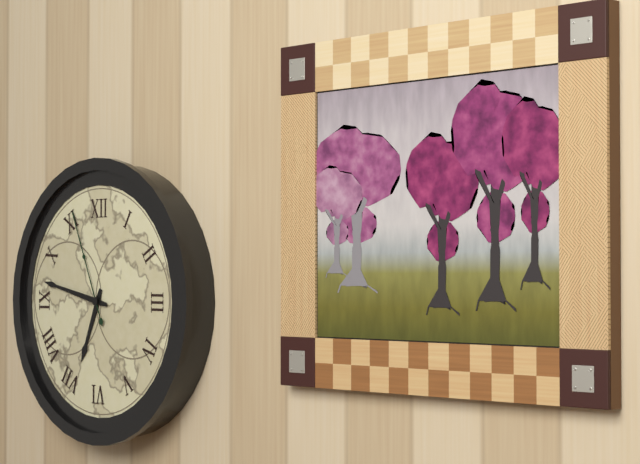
6:47:56
